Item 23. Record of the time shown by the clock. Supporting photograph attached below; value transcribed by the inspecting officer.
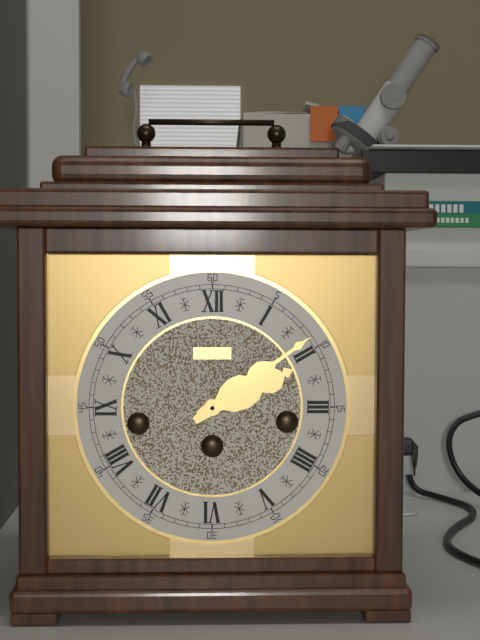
2:09
